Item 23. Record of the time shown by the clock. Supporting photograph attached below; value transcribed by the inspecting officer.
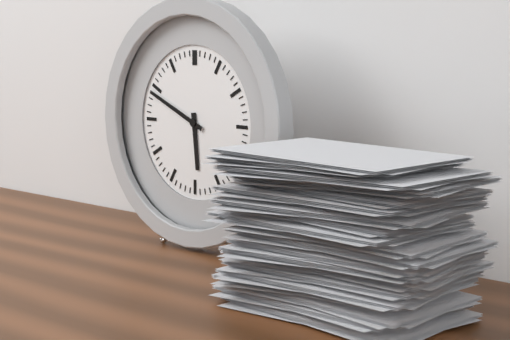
5:49
